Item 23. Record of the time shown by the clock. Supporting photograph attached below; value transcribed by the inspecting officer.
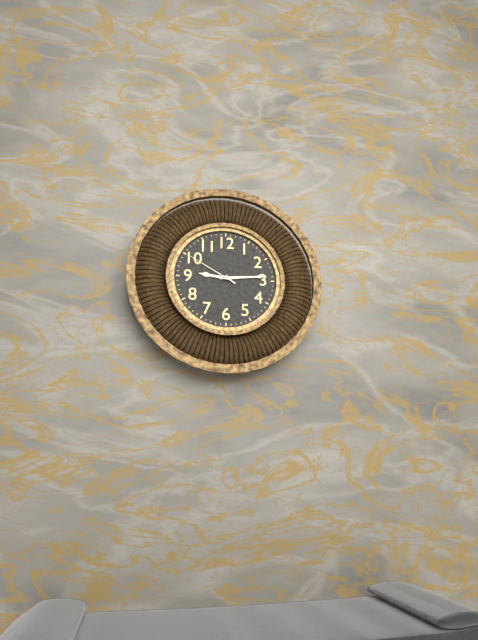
9:14:50
